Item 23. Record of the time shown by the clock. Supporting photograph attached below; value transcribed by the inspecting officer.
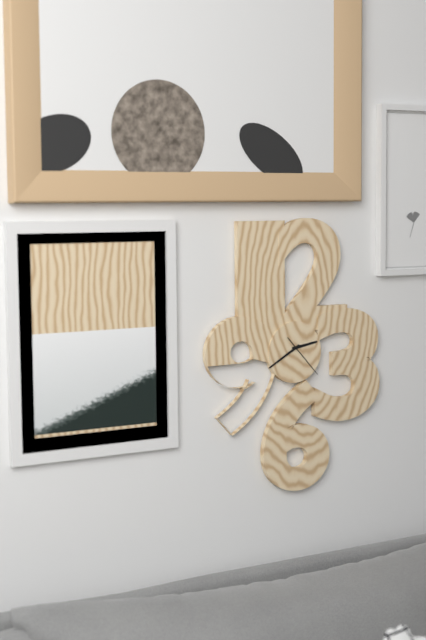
2:40
